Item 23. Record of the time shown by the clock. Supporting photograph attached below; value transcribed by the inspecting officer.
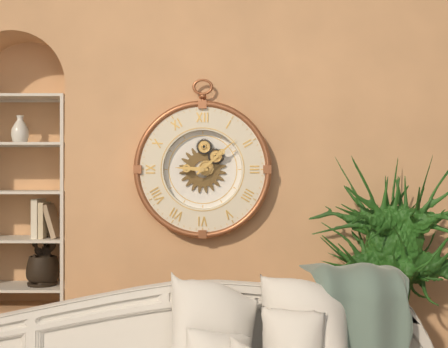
9:08
